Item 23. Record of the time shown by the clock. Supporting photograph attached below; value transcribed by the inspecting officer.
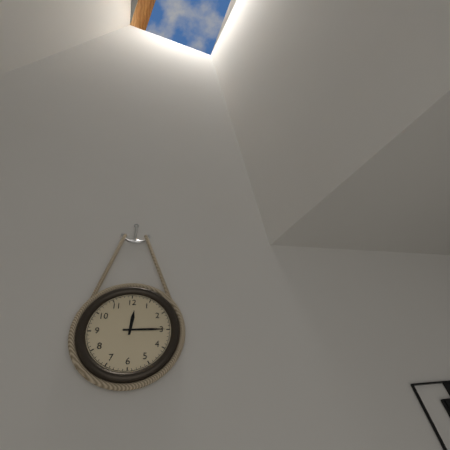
12:15
